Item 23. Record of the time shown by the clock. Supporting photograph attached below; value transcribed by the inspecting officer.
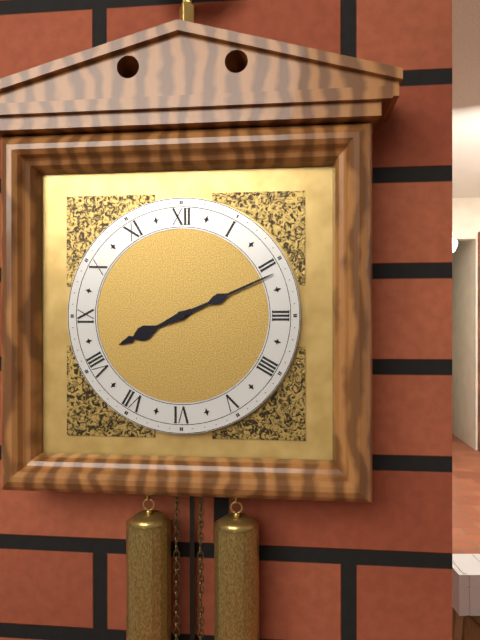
8:11
